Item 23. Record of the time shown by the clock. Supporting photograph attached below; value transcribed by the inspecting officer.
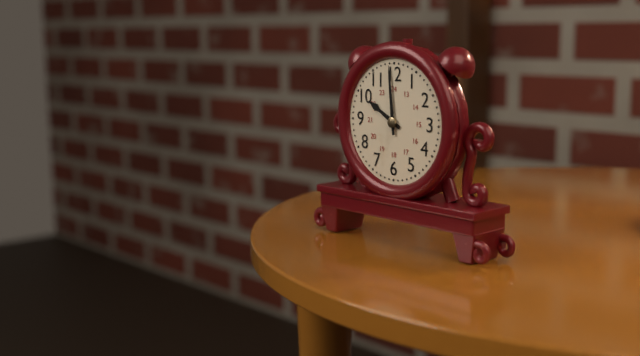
9:59
